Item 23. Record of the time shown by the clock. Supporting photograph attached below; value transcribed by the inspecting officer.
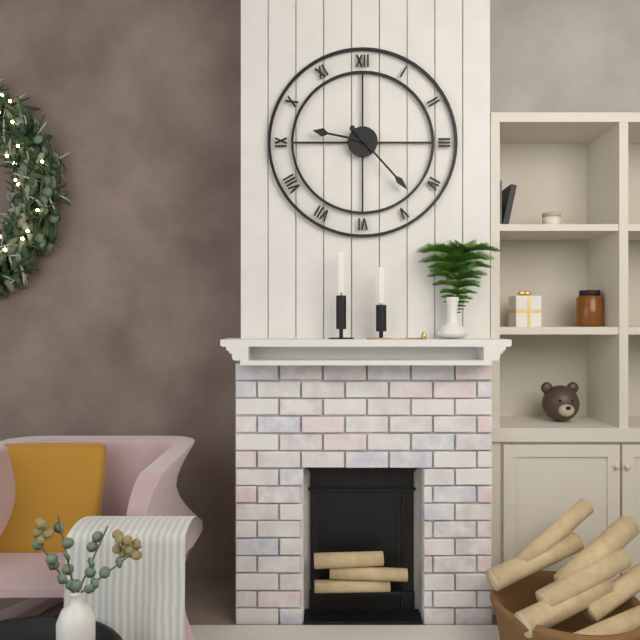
9:23
